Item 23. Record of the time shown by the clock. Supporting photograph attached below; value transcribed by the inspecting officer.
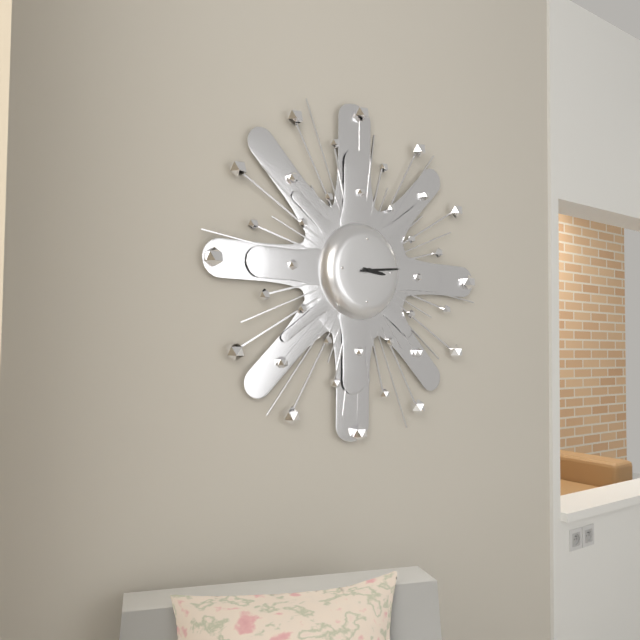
3:14
